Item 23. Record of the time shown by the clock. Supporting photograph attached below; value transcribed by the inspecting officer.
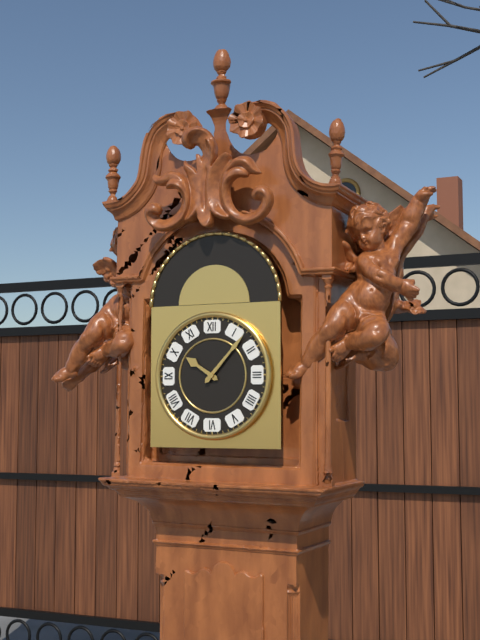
10:07
